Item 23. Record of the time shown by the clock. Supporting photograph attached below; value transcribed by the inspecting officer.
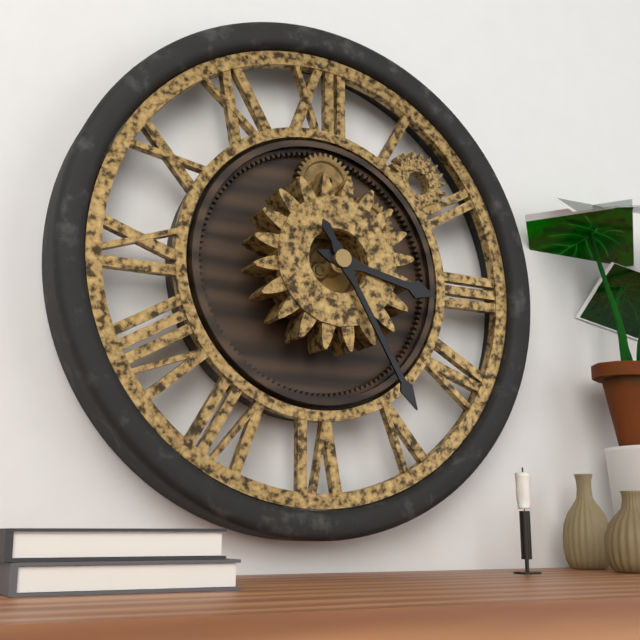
3:25
